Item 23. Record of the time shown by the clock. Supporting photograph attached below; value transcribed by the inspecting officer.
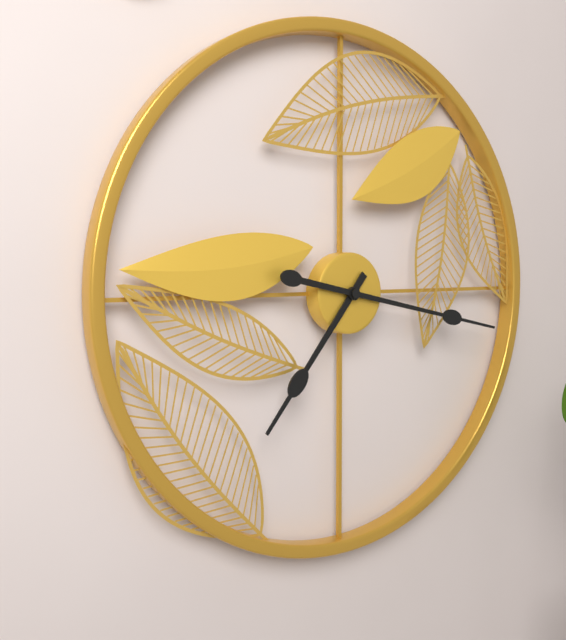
7:17
